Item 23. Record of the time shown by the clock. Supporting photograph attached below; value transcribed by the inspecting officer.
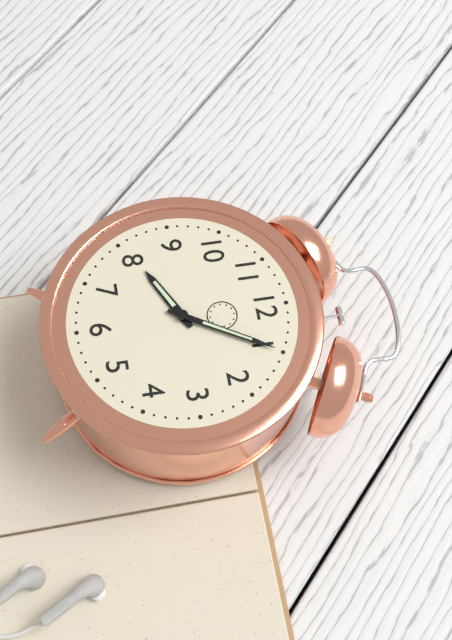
8:05
